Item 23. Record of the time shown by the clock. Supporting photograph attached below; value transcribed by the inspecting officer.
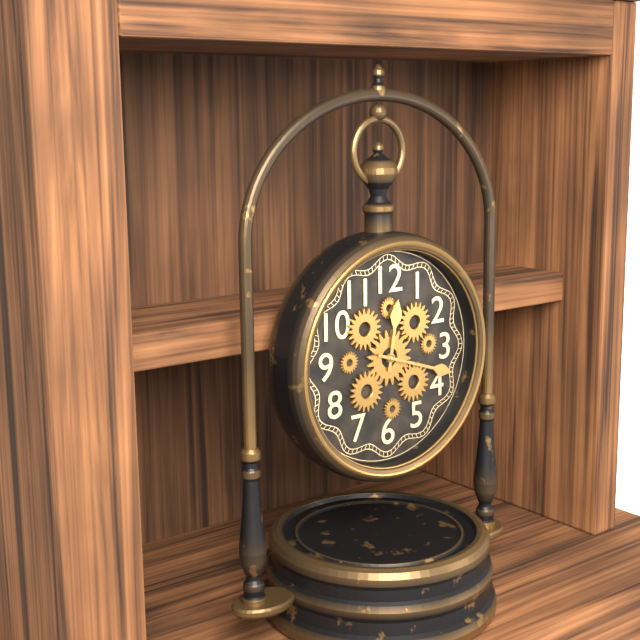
12:18
